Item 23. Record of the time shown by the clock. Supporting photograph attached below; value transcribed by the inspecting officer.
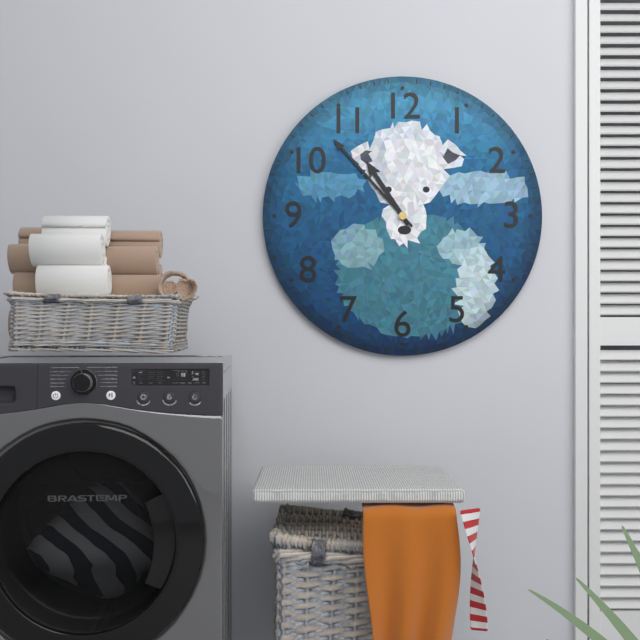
10:53
